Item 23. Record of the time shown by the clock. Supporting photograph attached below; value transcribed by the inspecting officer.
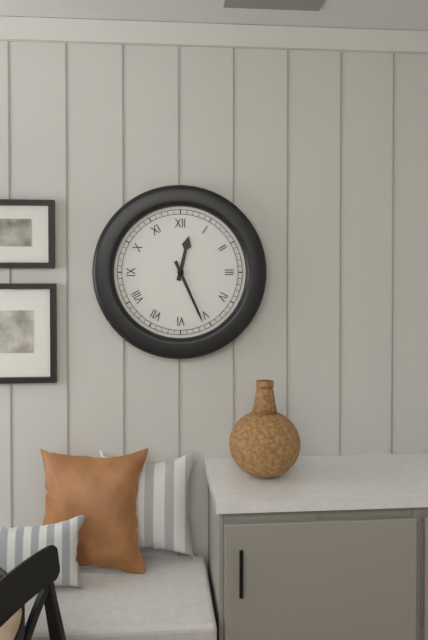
12:26
